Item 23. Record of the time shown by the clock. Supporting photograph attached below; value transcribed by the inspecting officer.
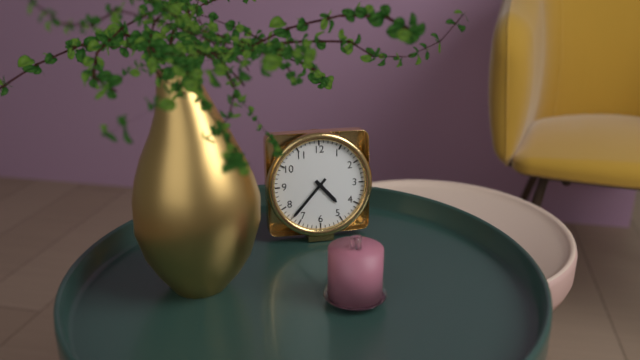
4:37
